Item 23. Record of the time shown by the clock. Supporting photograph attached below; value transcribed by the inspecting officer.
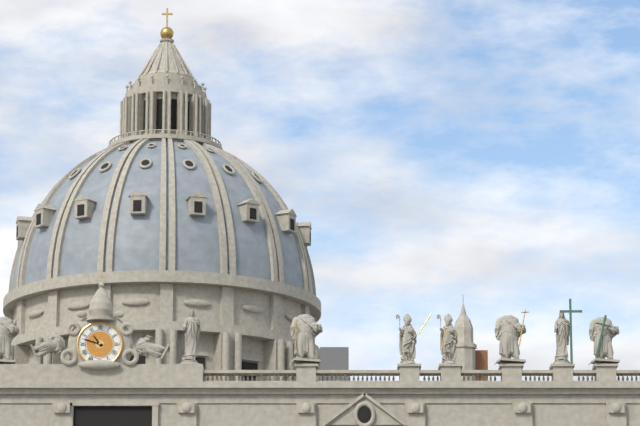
10:48
